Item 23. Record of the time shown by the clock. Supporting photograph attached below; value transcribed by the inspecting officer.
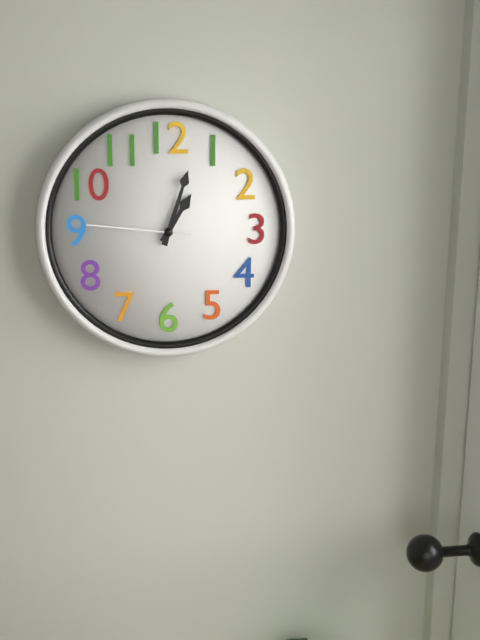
1:03:46
